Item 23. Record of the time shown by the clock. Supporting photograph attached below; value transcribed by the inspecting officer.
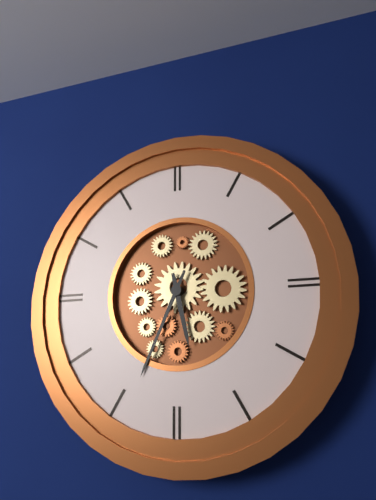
5:34
